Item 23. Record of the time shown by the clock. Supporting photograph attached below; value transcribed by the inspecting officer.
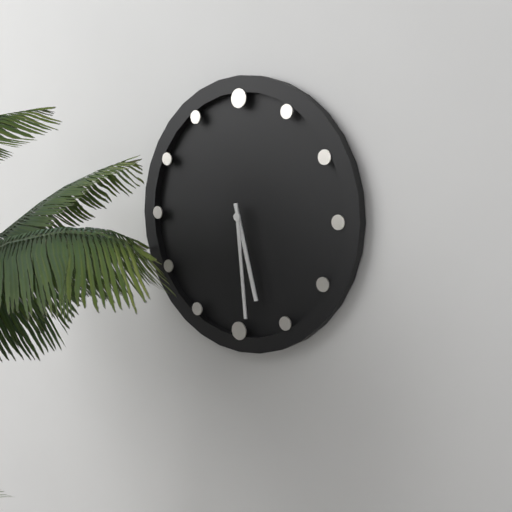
5:29
